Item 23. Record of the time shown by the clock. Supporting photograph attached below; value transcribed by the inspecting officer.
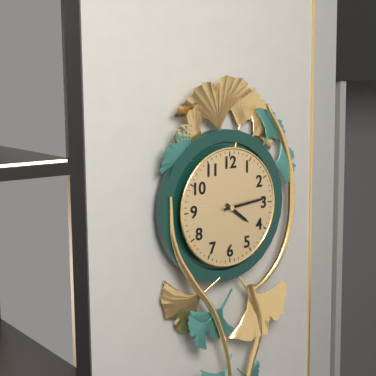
4:14
